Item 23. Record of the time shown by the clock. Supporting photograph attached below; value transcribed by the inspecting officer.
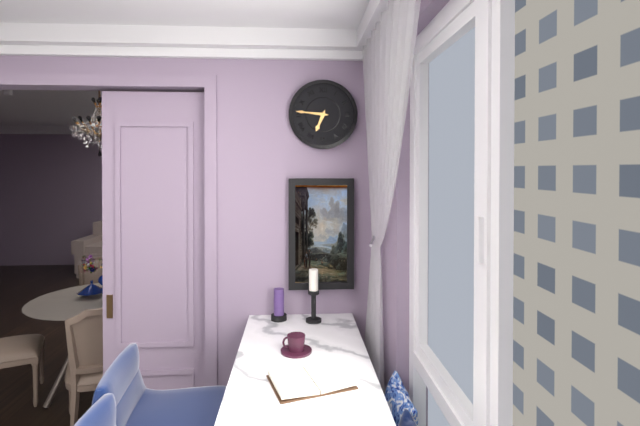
6:46
